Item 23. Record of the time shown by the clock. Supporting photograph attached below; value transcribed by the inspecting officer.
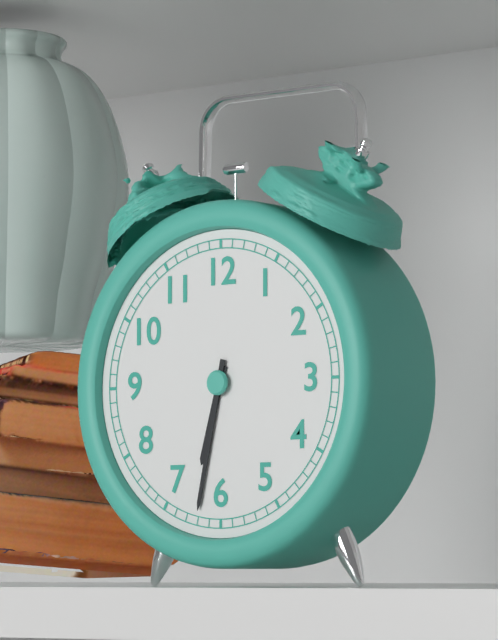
6:32
